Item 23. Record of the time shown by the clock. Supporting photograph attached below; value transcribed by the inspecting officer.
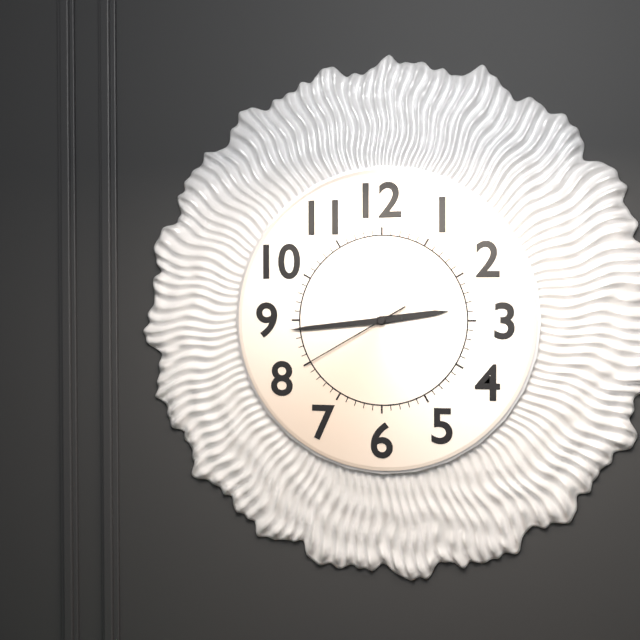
2:44:40
